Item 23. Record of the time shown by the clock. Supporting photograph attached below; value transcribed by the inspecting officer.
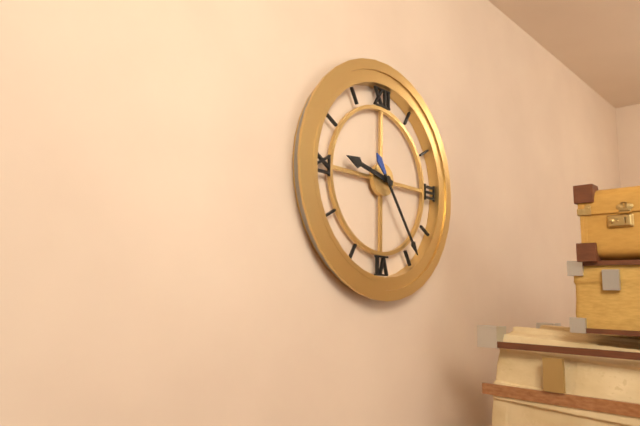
9:24
